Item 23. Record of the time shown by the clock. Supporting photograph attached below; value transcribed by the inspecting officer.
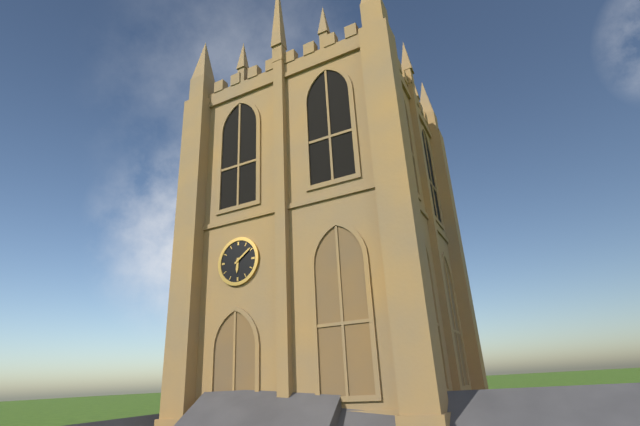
6:09
